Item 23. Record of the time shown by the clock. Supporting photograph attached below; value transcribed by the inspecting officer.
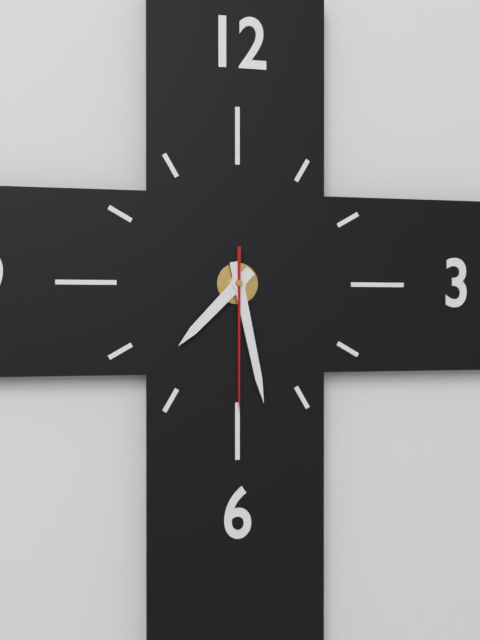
7:28:30
